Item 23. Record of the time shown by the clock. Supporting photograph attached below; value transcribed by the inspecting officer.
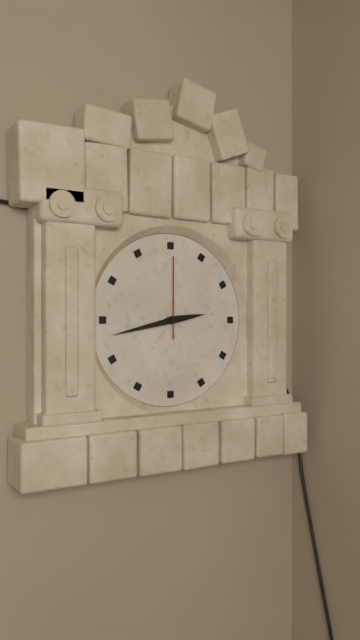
2:43:00
